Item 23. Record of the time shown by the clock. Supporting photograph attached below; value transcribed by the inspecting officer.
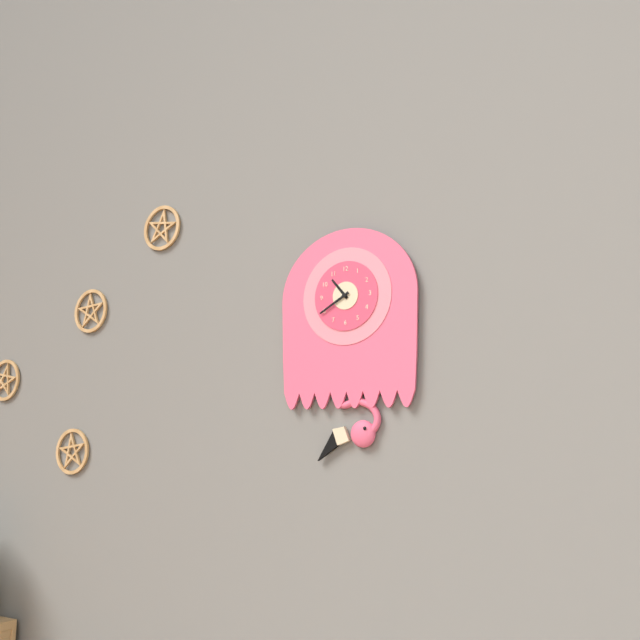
10:40
